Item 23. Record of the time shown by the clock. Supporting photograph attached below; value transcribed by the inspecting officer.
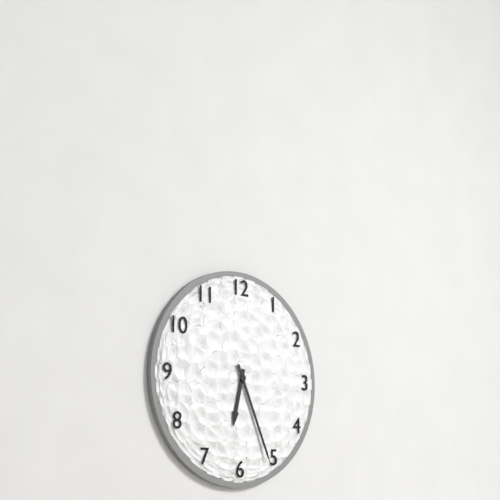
6:26
